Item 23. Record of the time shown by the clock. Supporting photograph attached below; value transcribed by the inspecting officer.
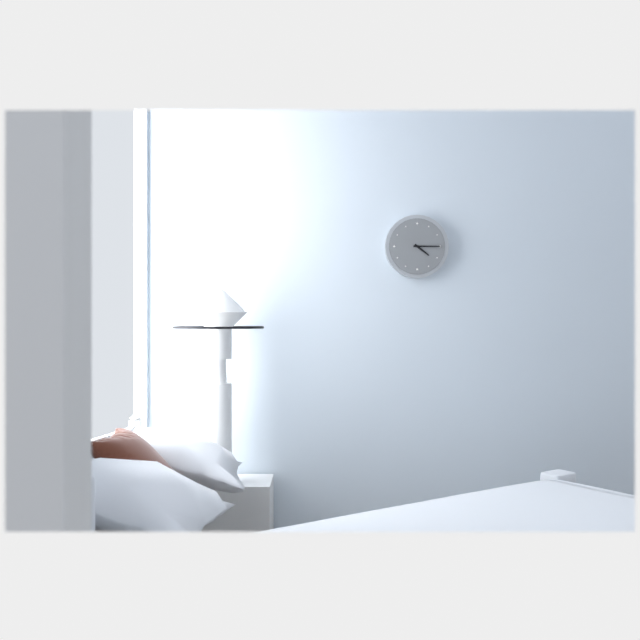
4:15
